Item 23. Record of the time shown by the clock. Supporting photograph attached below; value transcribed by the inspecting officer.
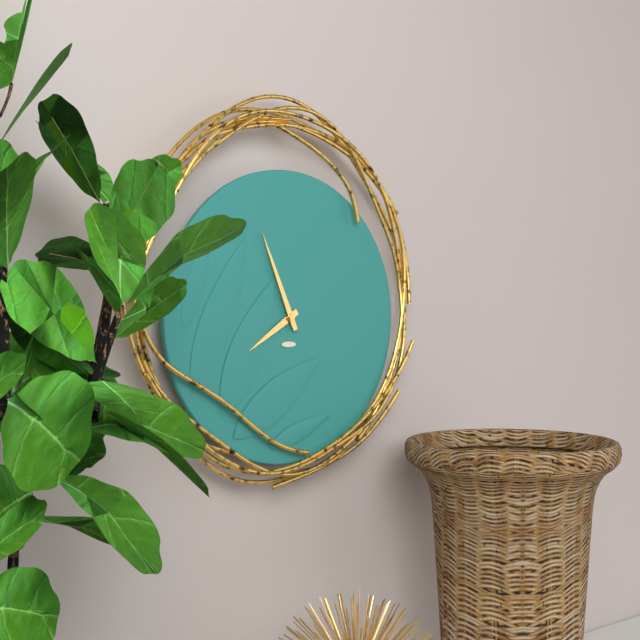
7:56
